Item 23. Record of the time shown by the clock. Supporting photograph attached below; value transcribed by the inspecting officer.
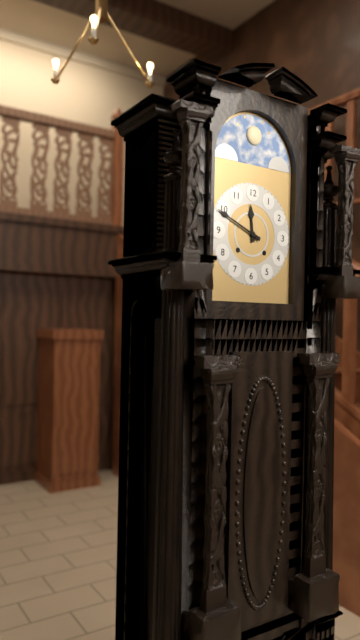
11:49
